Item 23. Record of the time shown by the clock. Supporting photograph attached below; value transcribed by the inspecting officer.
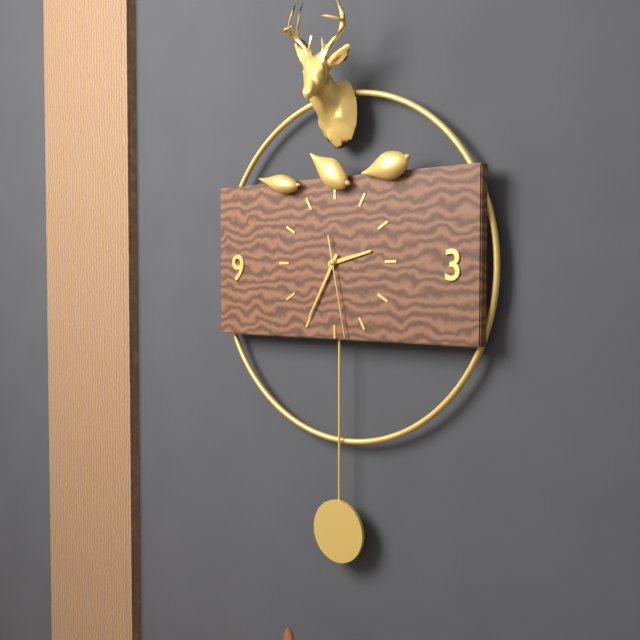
2:35:28
